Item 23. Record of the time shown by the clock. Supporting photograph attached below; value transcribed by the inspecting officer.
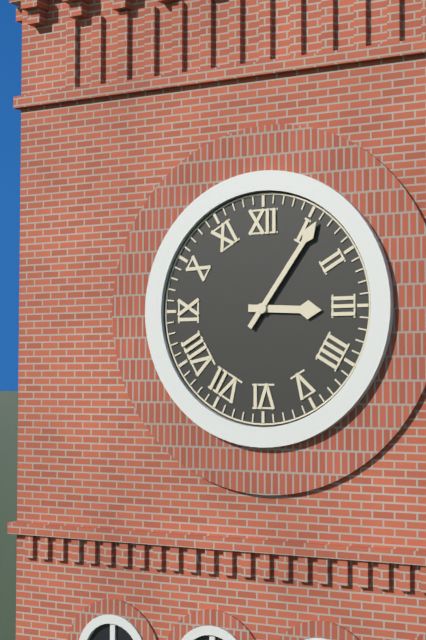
3:06
